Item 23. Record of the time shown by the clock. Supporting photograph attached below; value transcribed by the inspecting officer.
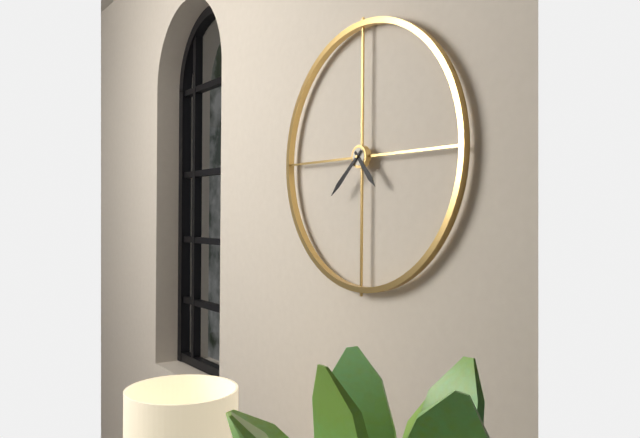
4:38
